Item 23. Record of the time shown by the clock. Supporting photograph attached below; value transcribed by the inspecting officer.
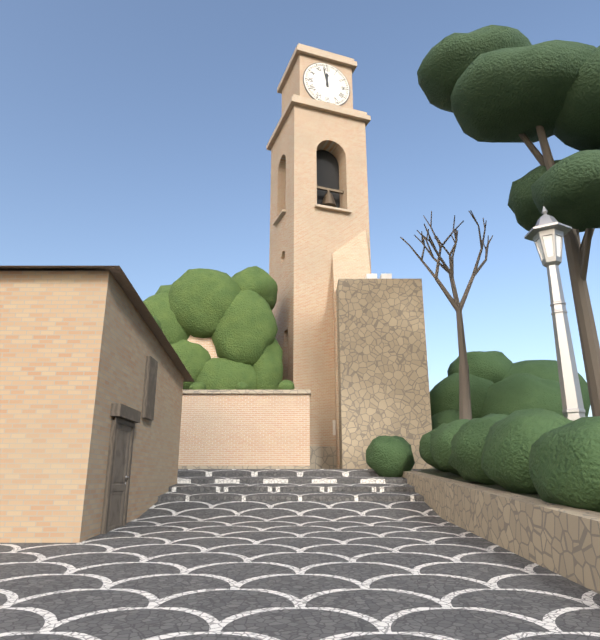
11:58
